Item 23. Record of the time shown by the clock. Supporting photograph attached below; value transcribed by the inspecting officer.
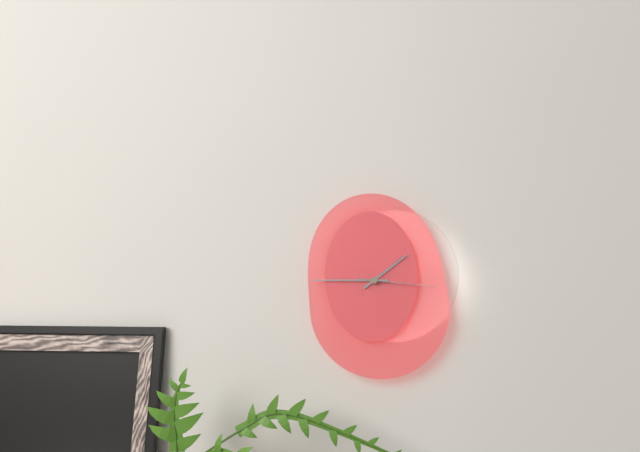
1:45:16
